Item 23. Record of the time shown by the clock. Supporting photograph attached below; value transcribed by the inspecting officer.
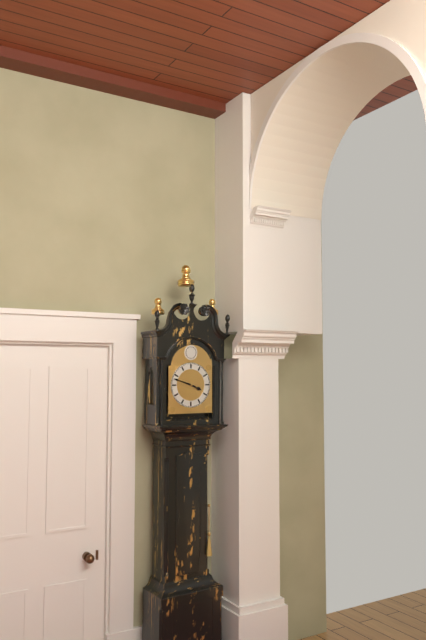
3:48
